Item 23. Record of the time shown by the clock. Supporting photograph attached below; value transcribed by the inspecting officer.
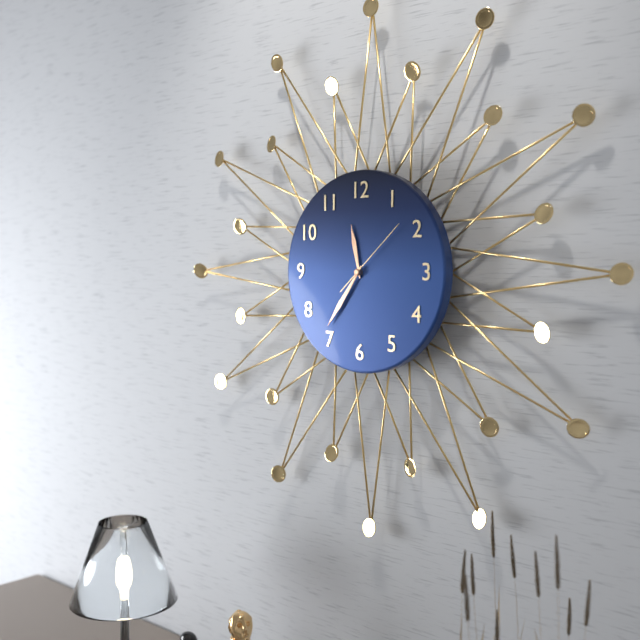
11:36:08
